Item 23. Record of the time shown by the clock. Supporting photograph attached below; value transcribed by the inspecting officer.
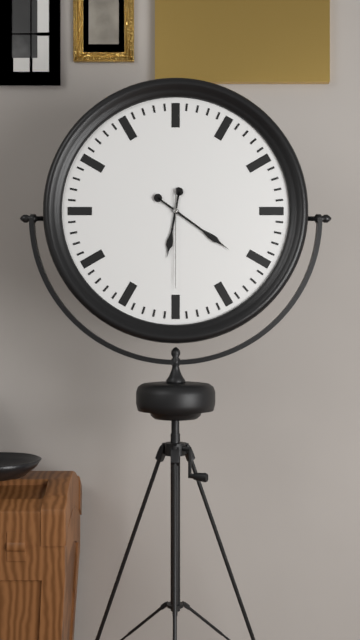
6:21:30
